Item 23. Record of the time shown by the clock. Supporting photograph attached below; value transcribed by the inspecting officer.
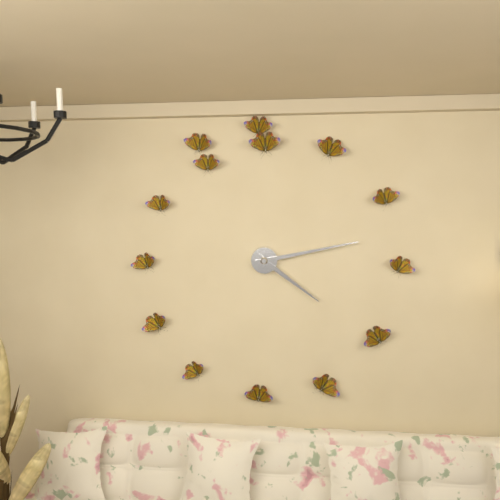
4:13
